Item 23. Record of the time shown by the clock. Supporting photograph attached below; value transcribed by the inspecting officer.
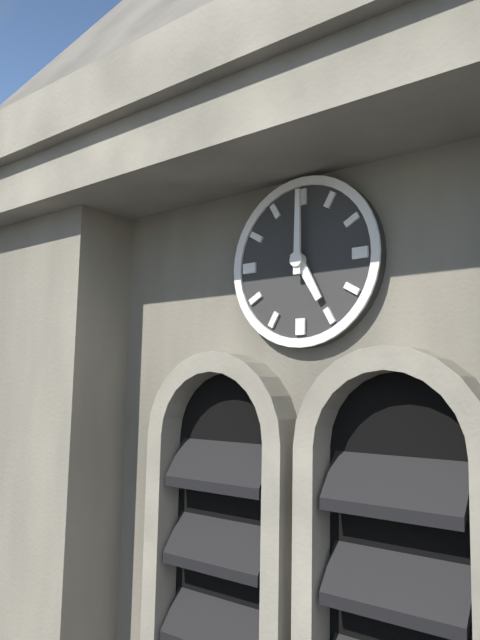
5:00
